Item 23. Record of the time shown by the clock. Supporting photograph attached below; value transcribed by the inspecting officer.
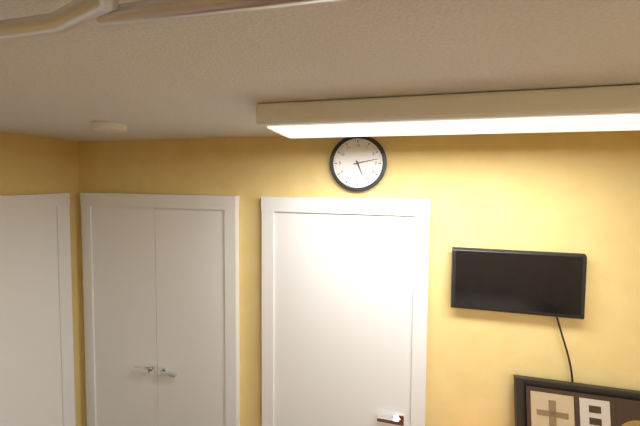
5:13
